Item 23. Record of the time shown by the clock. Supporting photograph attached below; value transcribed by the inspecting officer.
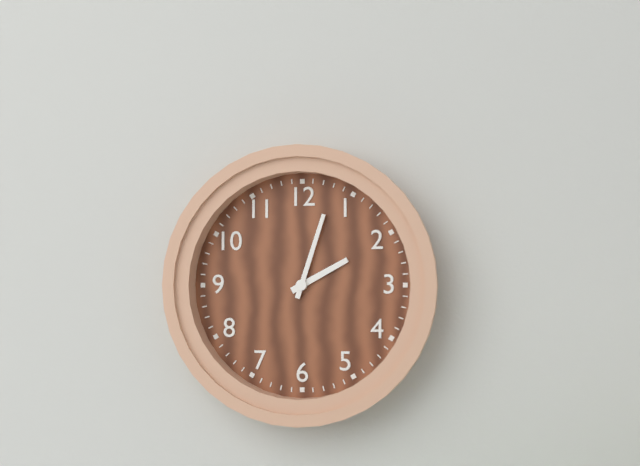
2:03
